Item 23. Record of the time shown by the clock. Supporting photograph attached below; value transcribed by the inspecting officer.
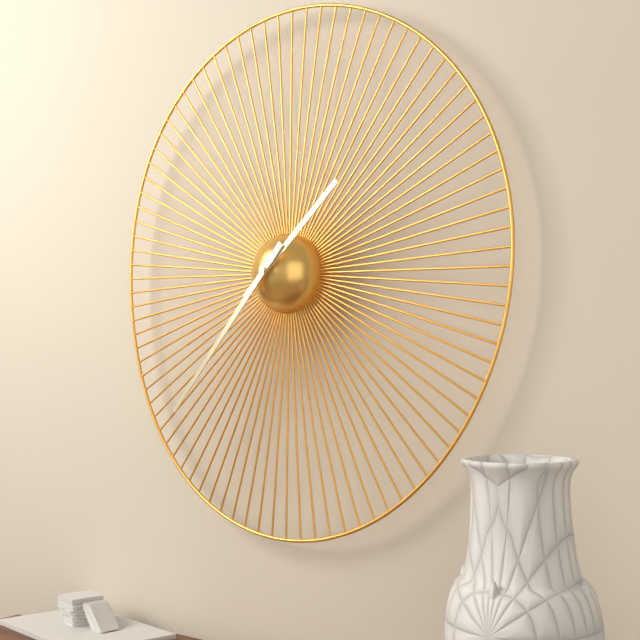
1:37
